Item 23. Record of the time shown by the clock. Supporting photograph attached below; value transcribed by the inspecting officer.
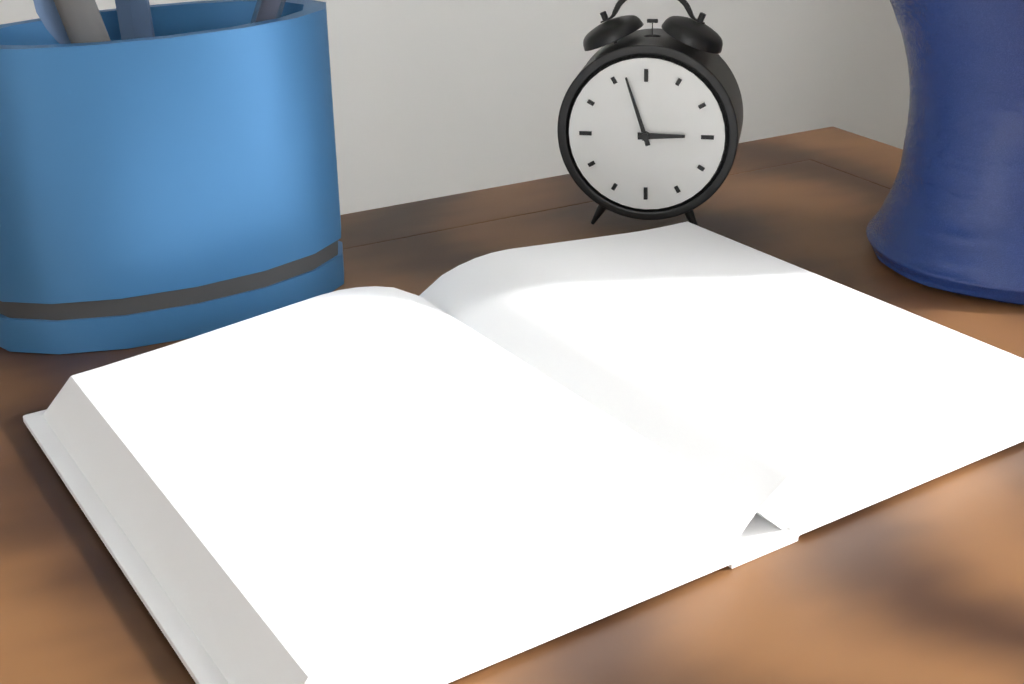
2:57
